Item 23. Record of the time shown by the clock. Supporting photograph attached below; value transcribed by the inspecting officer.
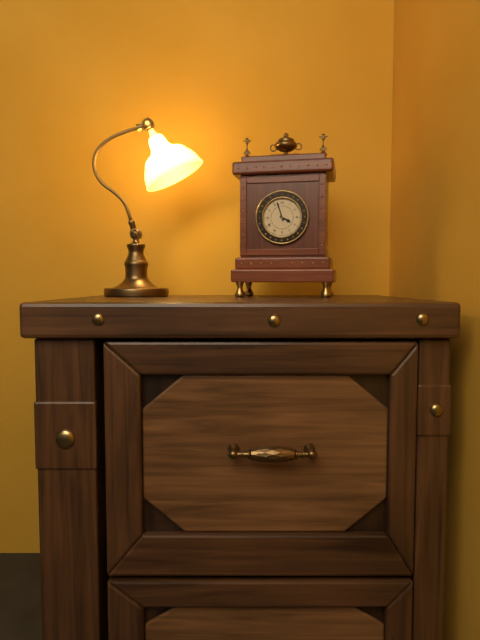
3:57
